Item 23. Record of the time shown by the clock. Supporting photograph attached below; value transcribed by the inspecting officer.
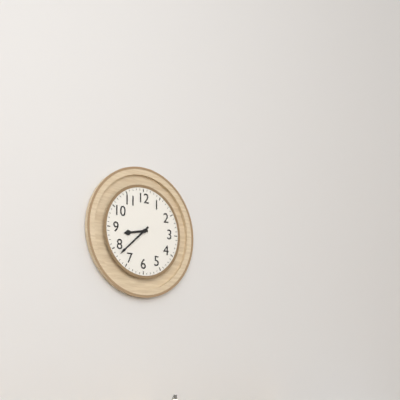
8:38
